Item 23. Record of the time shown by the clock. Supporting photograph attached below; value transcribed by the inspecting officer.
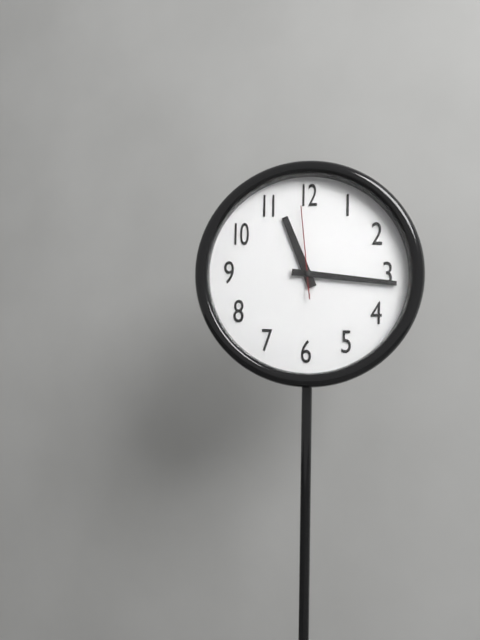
11:16:59
